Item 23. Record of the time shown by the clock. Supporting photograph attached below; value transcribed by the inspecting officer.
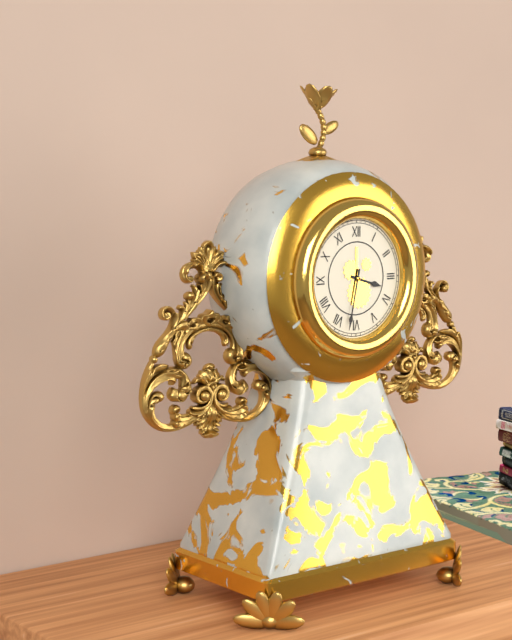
3:32
